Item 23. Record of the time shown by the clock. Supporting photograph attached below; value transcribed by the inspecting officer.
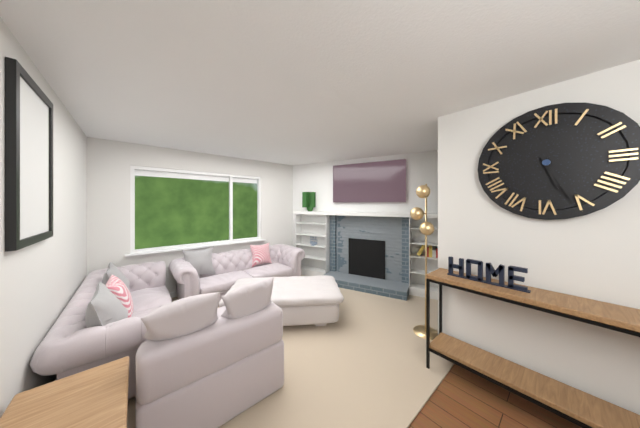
5:26
